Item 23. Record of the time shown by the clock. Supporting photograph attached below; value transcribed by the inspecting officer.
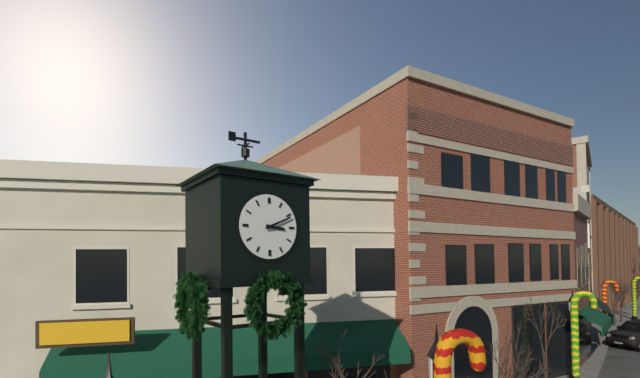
3:11
